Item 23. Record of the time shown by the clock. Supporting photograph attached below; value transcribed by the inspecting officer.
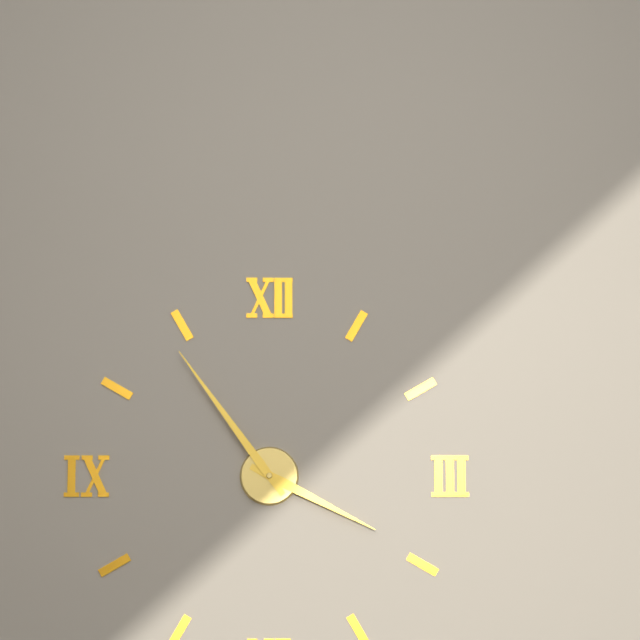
3:54
